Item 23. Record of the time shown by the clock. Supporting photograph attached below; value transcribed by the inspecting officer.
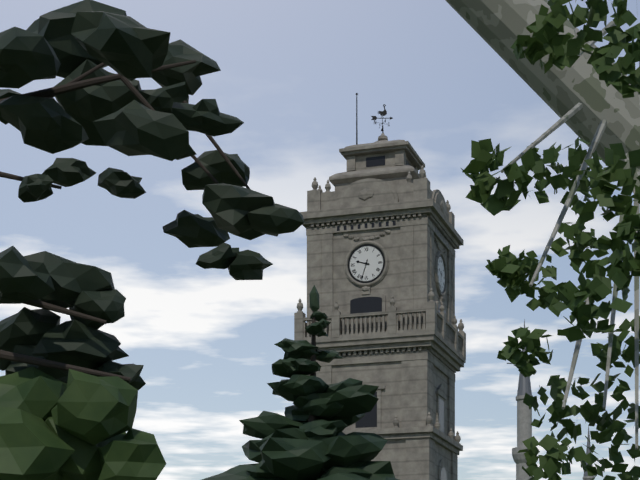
9:33
